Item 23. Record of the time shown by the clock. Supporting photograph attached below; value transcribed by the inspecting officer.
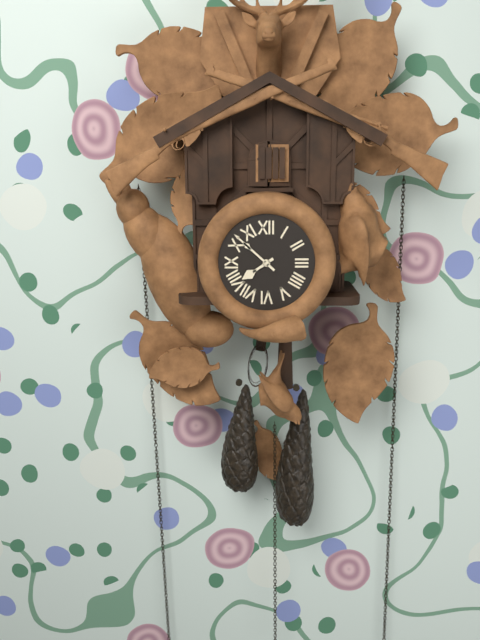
7:52
